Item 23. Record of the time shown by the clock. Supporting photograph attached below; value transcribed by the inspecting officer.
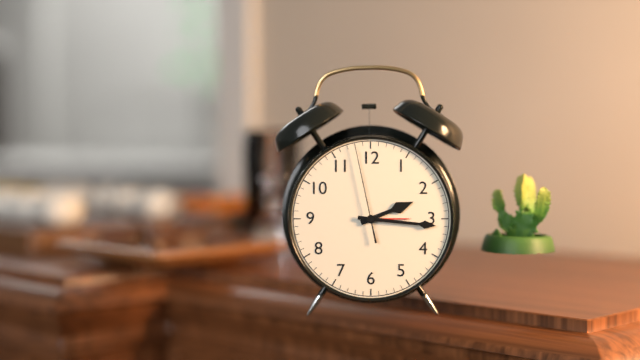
2:16:58
